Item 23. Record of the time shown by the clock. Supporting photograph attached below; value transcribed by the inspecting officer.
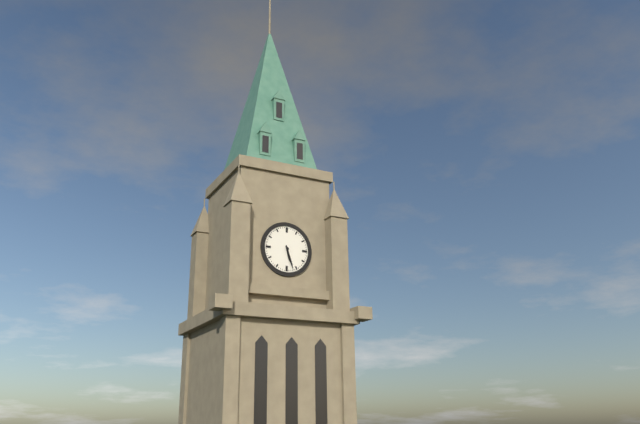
5:27
